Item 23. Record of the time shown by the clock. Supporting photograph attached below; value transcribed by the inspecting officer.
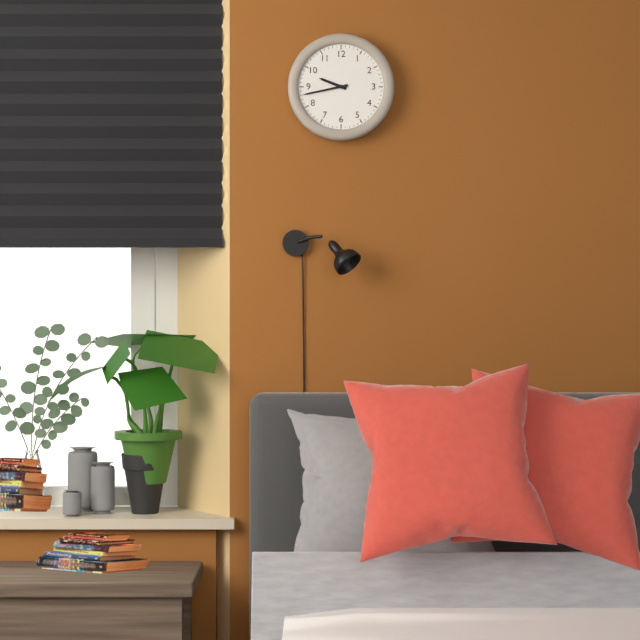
9:43
